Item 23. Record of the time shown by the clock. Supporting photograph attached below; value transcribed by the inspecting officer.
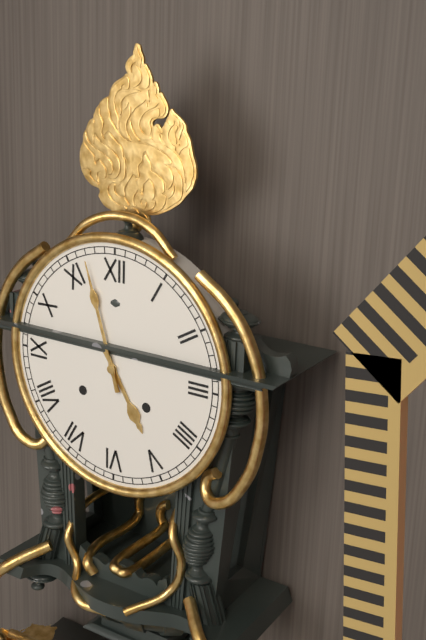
4:57
